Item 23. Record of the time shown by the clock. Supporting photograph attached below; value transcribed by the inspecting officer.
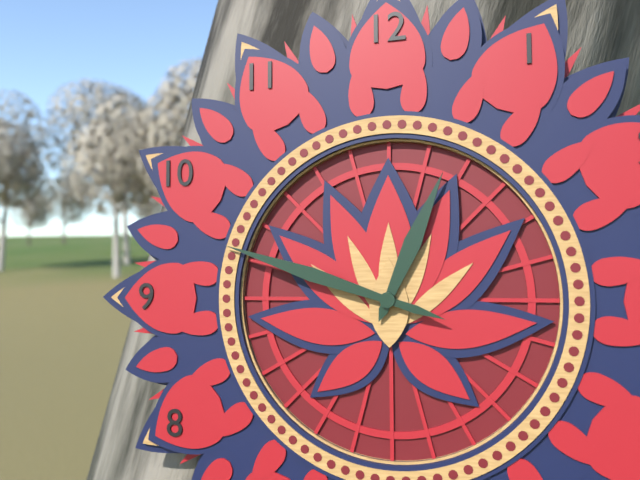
12:48
